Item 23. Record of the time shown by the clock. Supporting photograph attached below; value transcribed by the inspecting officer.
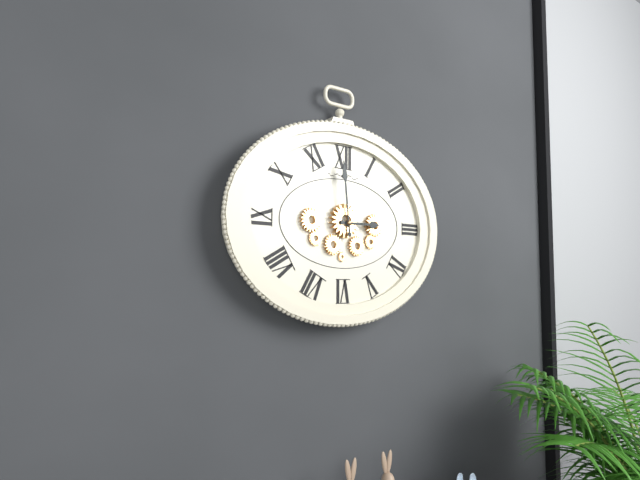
2:59
